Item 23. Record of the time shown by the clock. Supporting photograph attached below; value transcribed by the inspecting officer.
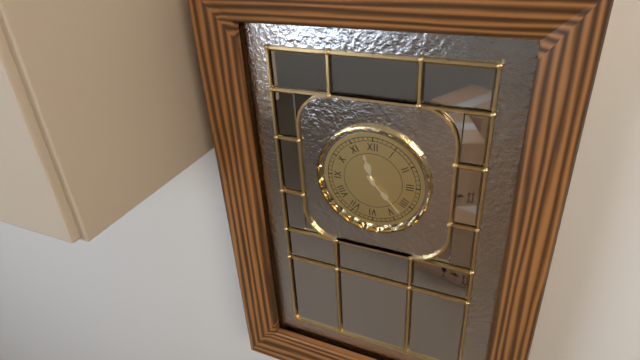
11:23
